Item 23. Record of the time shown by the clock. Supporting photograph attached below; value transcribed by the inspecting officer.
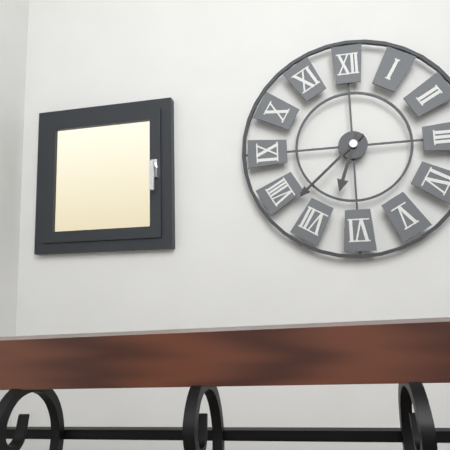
6:38
